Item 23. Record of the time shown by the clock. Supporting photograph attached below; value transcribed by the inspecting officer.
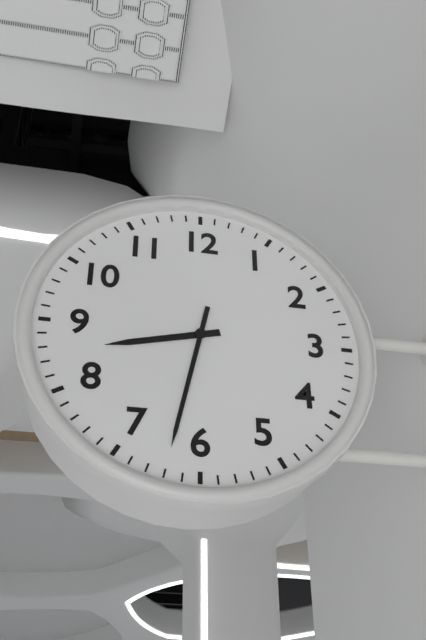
8:32
